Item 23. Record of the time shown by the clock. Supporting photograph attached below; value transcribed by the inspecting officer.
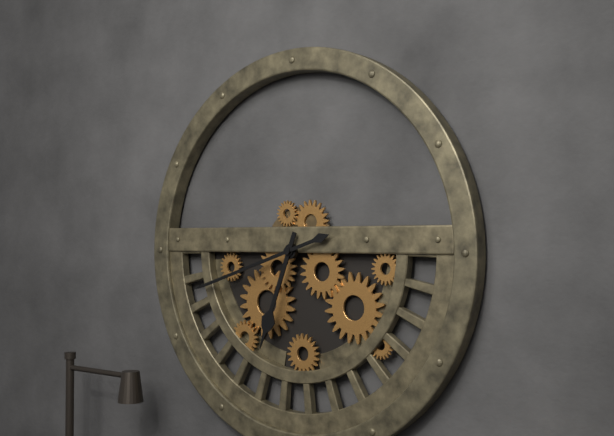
6:42
